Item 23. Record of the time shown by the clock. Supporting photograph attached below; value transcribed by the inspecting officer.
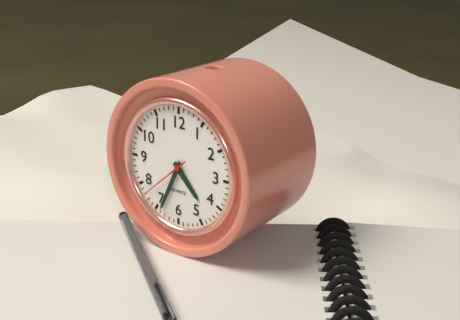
4:34:38
